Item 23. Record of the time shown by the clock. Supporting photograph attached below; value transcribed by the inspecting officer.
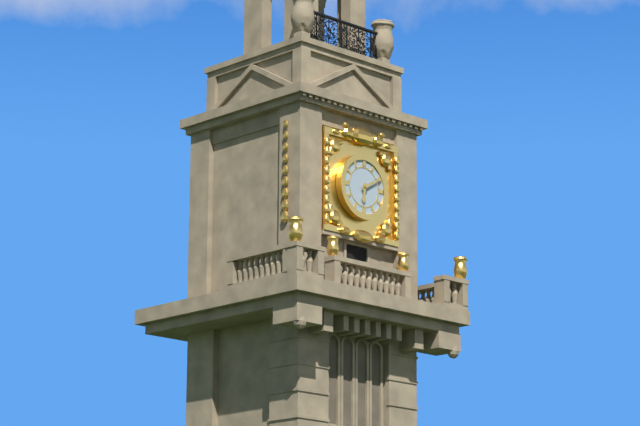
6:10
